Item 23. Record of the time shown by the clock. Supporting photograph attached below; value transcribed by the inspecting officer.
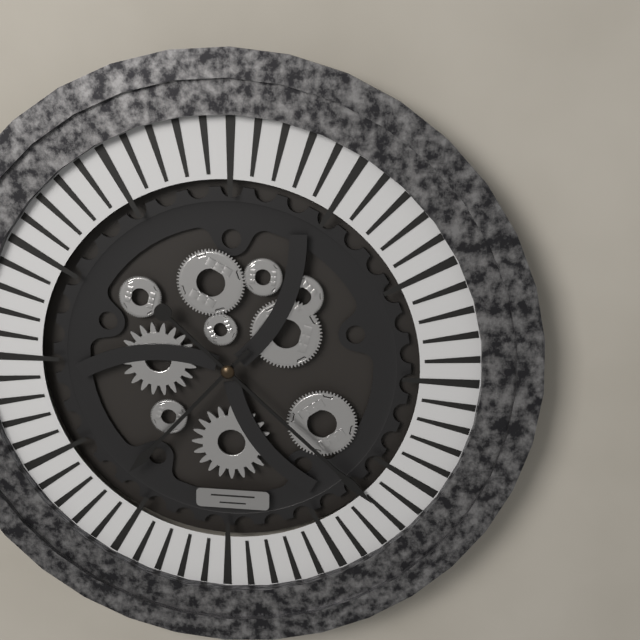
7:22
